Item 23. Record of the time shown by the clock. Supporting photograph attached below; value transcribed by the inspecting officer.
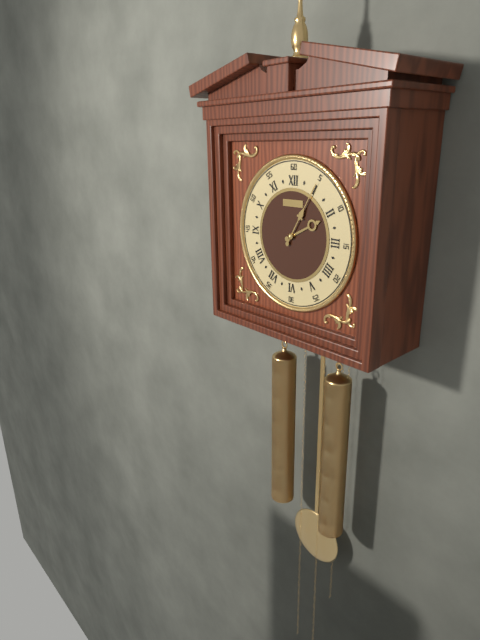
2:05
